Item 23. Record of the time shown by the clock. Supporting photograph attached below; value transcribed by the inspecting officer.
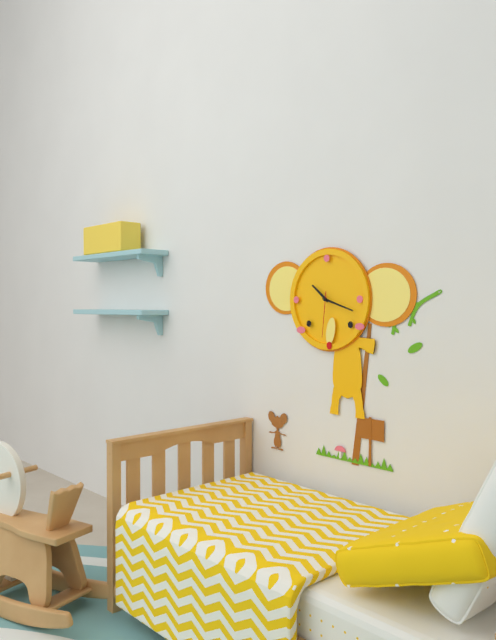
10:18
